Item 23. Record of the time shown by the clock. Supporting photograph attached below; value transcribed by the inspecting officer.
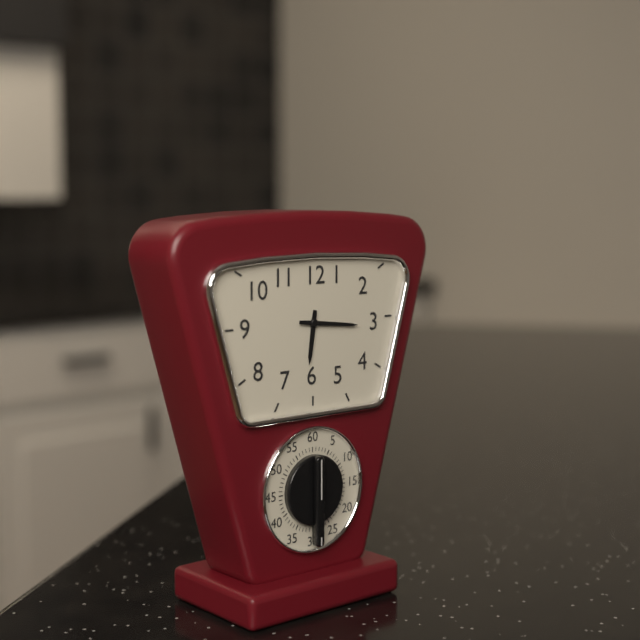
6:16
